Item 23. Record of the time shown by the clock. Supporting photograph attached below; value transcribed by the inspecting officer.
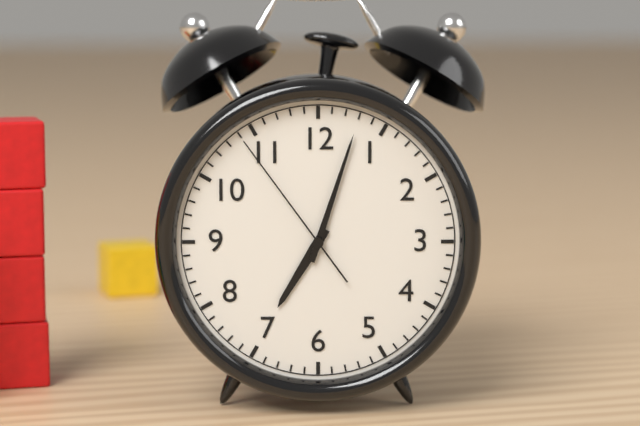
7:03:54
